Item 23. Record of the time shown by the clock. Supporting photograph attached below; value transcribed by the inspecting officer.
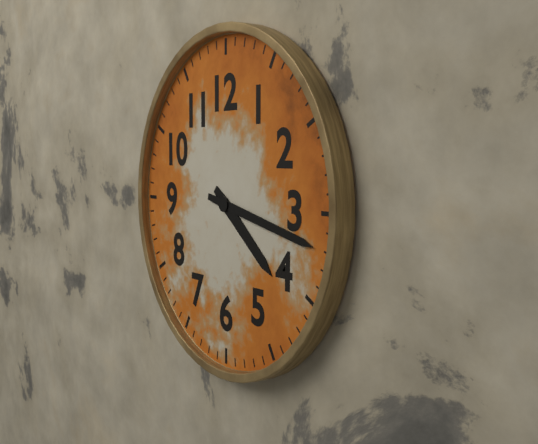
4:17
